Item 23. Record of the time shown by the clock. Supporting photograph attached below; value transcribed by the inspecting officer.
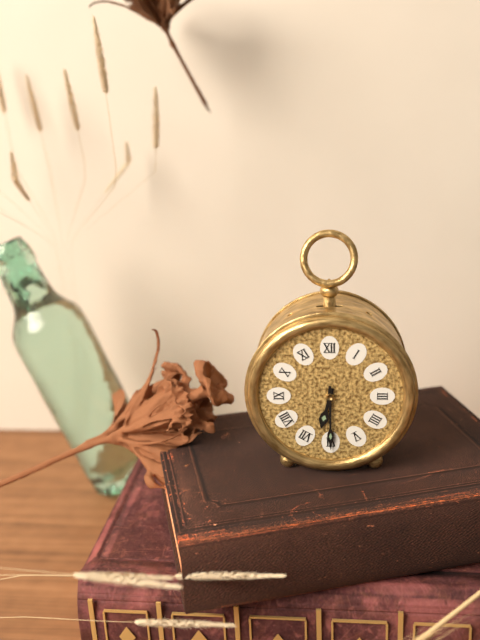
6:30
